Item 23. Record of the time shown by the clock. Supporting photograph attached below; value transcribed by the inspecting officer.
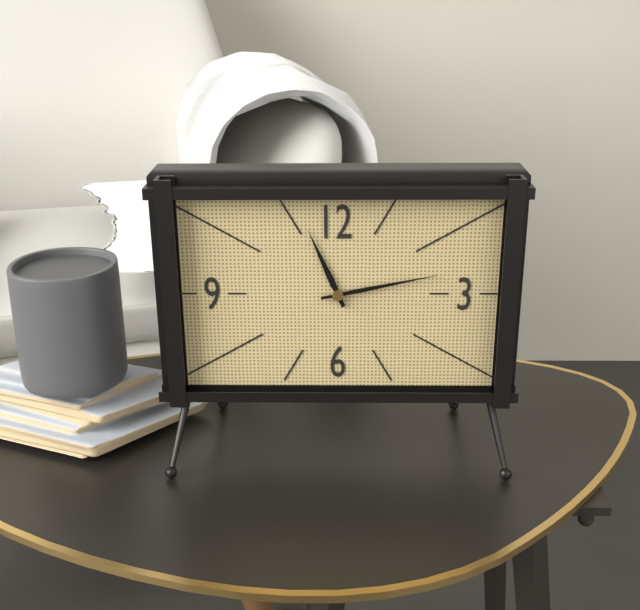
11:13
